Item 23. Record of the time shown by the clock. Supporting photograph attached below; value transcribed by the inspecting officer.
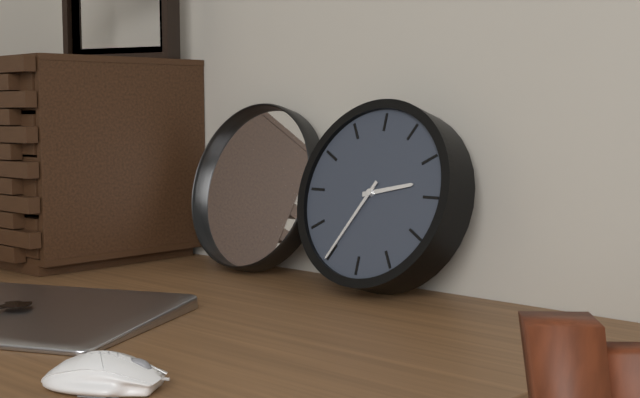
2:35
